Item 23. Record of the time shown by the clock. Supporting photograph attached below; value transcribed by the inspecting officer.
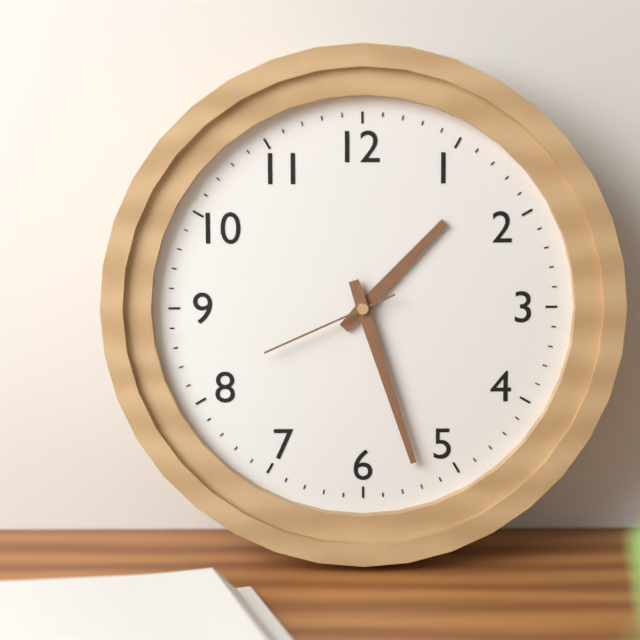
1:27:41
